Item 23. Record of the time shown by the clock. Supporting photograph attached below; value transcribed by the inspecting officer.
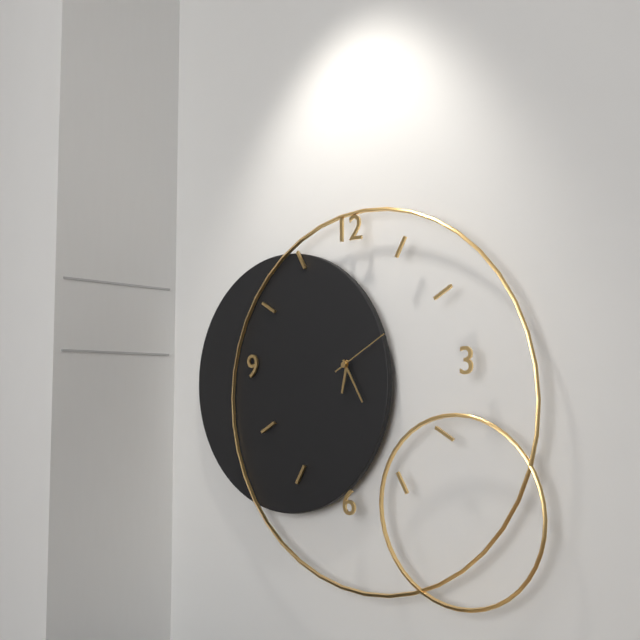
6:25:10
